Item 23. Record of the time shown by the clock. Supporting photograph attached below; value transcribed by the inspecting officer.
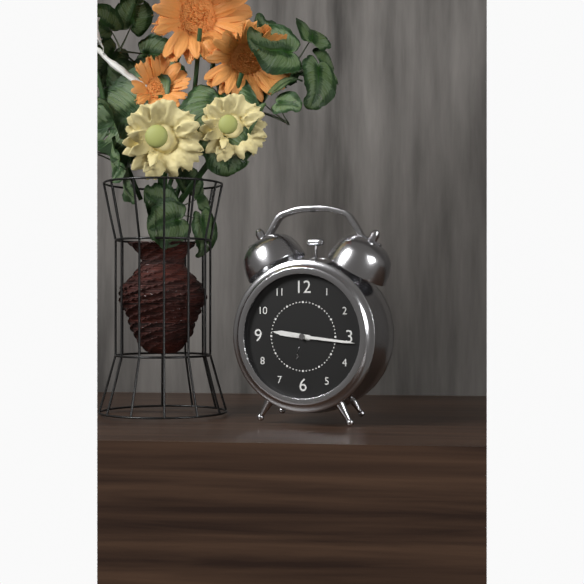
9:16
